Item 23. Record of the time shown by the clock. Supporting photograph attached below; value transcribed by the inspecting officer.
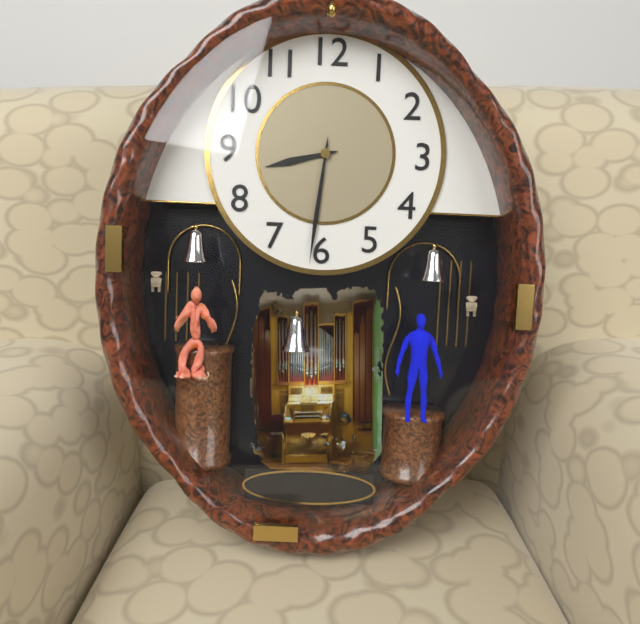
8:31
